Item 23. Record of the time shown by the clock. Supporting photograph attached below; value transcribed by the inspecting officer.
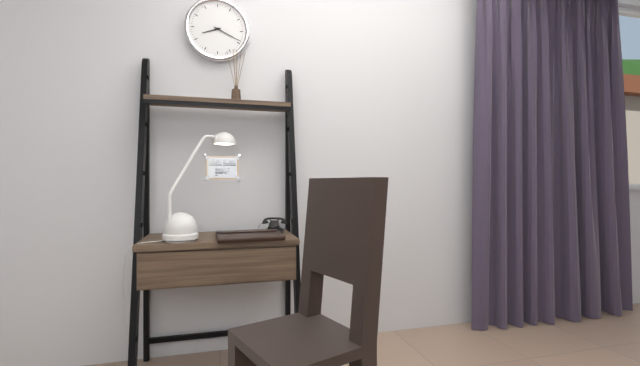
8:19
